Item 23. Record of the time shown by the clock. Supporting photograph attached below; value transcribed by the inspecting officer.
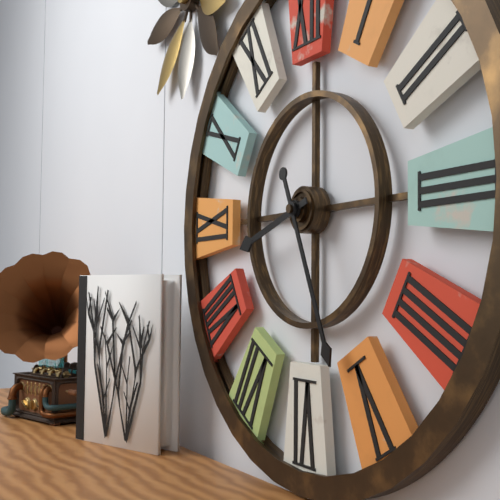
8:26
